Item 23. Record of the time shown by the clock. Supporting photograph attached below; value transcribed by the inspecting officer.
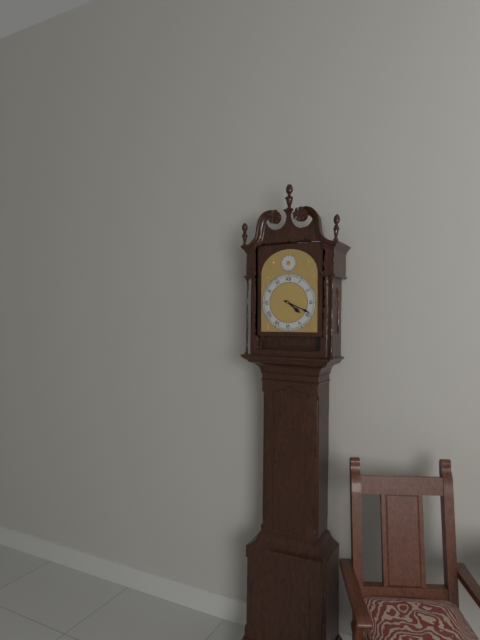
4:19
